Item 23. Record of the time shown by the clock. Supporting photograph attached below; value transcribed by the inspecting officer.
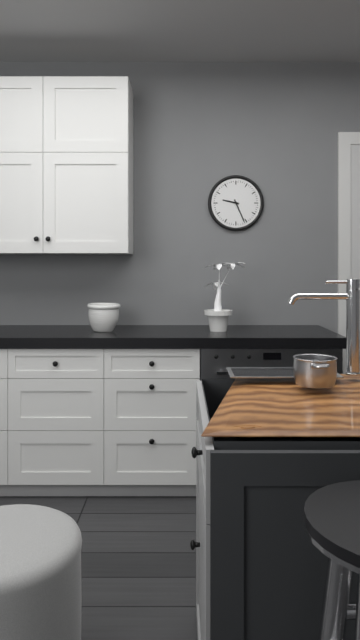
9:26
